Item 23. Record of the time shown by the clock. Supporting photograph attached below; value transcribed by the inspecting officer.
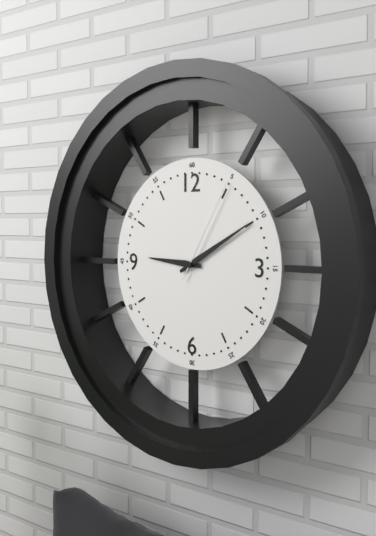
9:10:05
